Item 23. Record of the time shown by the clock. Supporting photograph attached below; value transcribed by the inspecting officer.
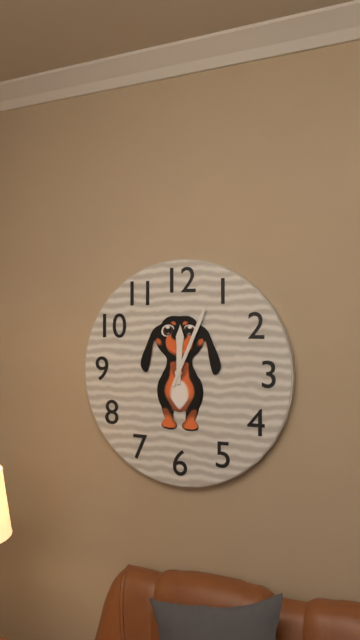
12:04
